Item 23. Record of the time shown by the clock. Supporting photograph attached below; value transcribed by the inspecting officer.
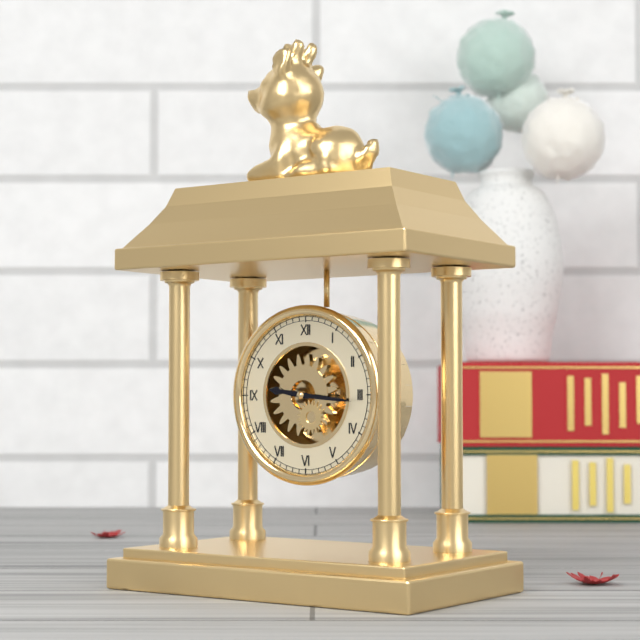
9:16
